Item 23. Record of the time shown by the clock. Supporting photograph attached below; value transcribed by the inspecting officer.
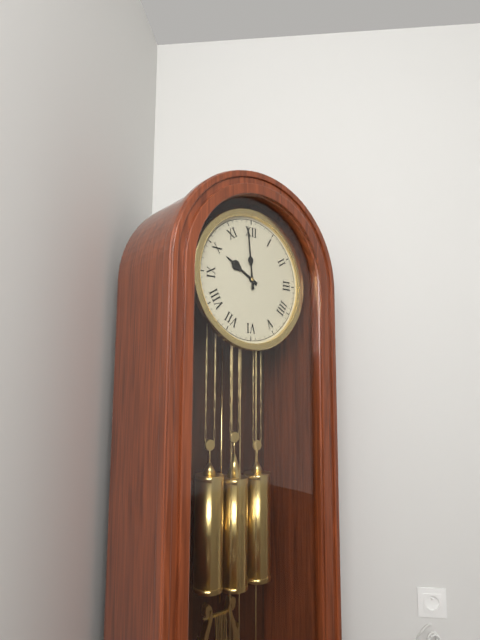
9:59
